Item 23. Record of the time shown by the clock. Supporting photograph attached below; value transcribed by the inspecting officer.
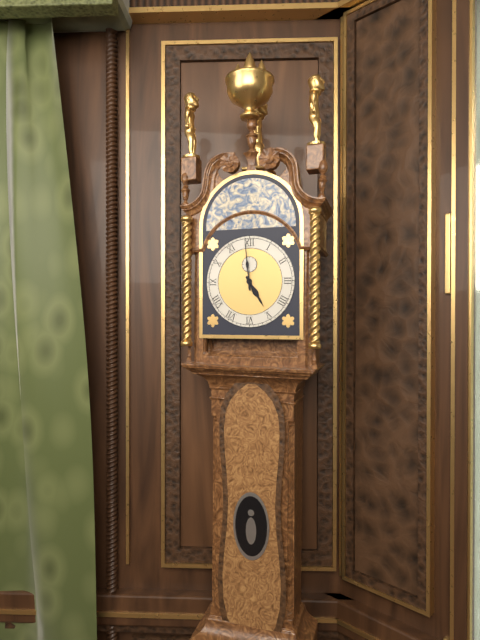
4:59
